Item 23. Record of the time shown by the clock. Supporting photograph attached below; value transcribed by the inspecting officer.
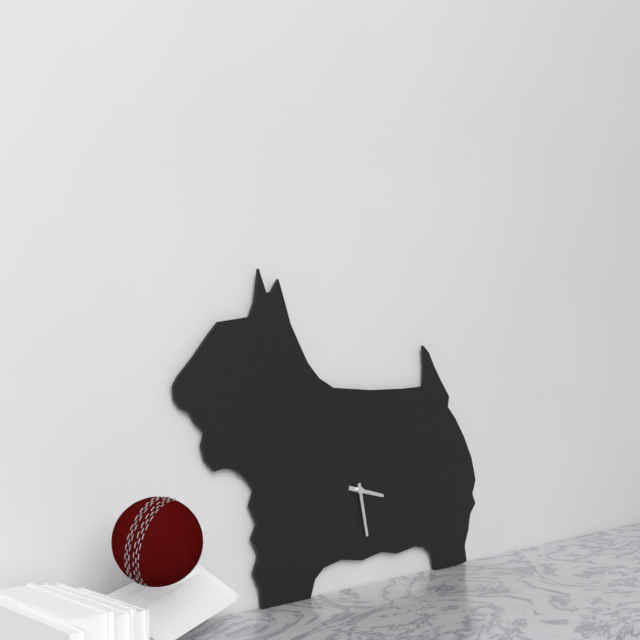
3:28
